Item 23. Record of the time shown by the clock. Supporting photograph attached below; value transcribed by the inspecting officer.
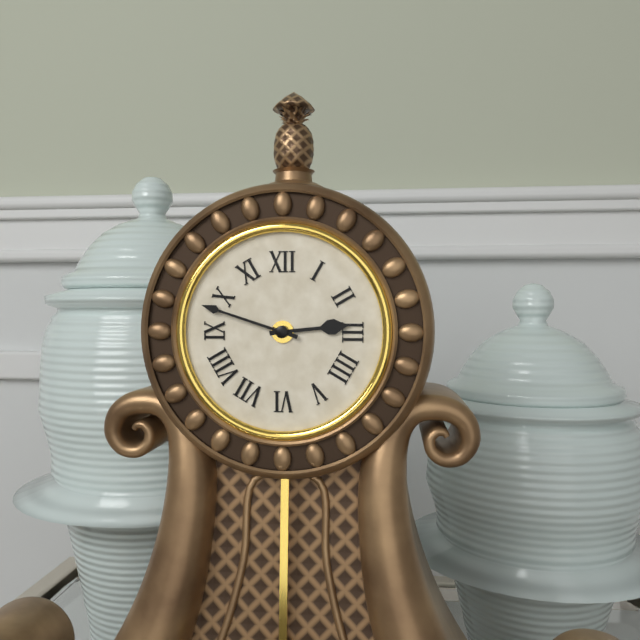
2:48
